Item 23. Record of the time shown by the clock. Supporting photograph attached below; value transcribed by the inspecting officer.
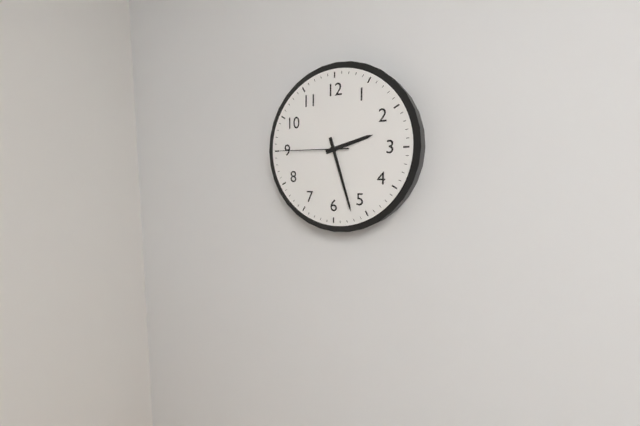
2:27:45
